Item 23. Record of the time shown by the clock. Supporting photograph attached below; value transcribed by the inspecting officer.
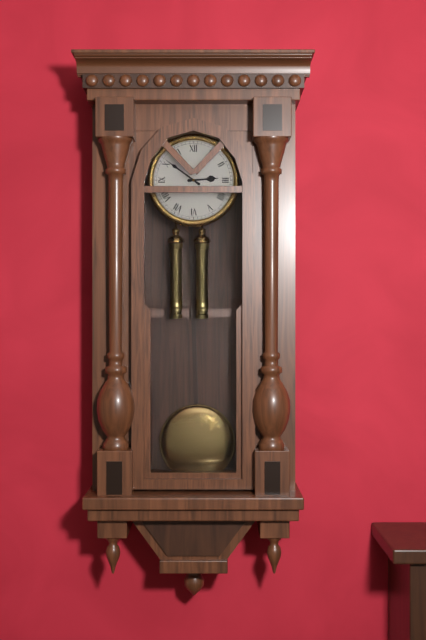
2:51
